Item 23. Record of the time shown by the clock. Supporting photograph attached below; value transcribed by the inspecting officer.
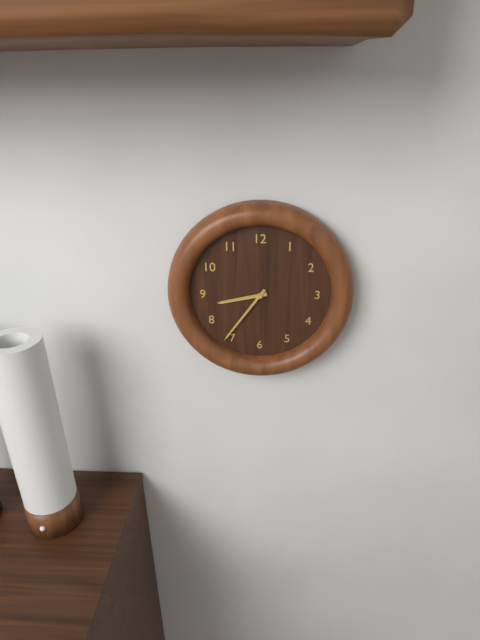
8:36
